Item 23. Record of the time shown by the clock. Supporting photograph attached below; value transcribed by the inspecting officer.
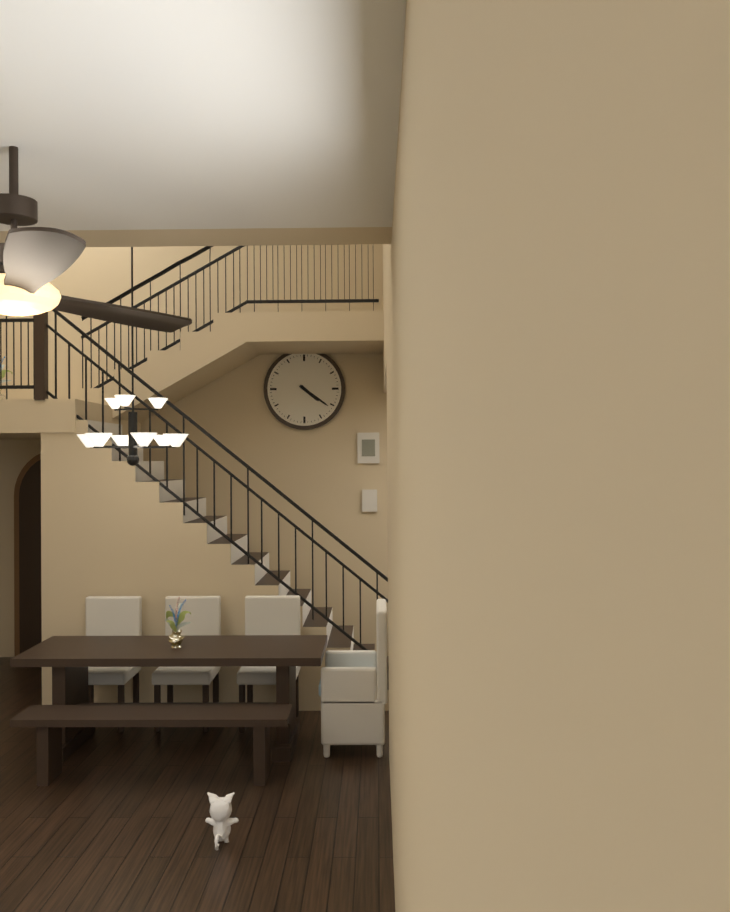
4:21
